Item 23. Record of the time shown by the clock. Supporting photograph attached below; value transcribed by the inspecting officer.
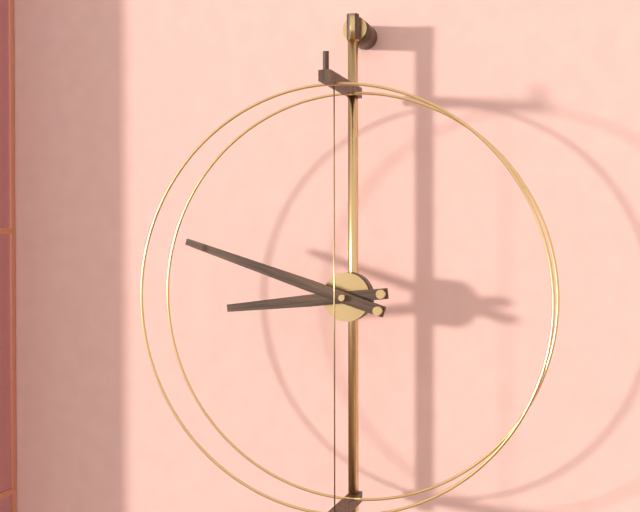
8:48
